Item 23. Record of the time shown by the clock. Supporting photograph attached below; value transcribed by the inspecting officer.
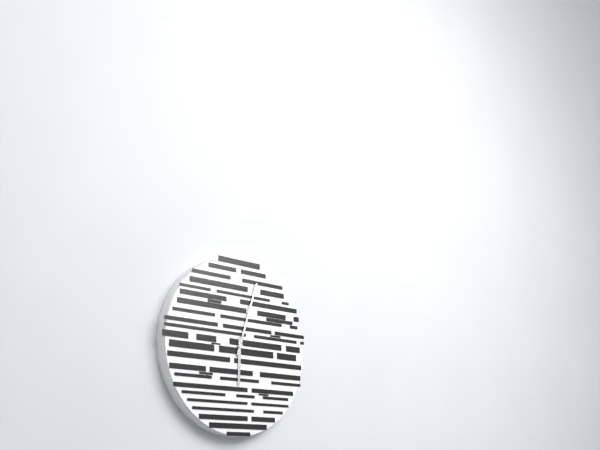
6:03
